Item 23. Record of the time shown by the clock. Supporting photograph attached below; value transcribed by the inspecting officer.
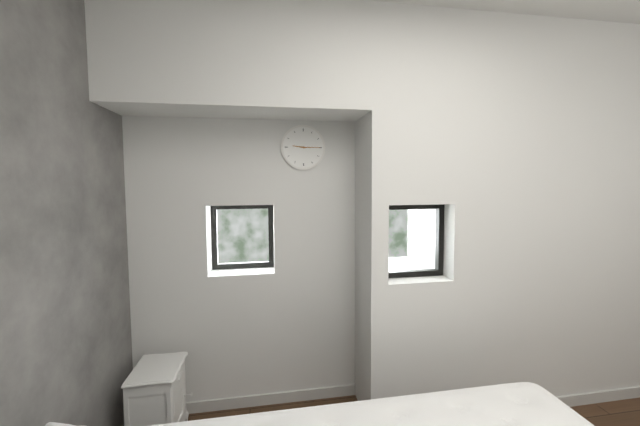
9:15
